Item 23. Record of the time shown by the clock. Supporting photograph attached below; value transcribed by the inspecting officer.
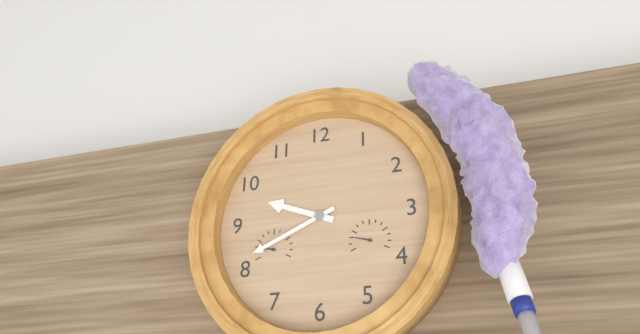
9:41
